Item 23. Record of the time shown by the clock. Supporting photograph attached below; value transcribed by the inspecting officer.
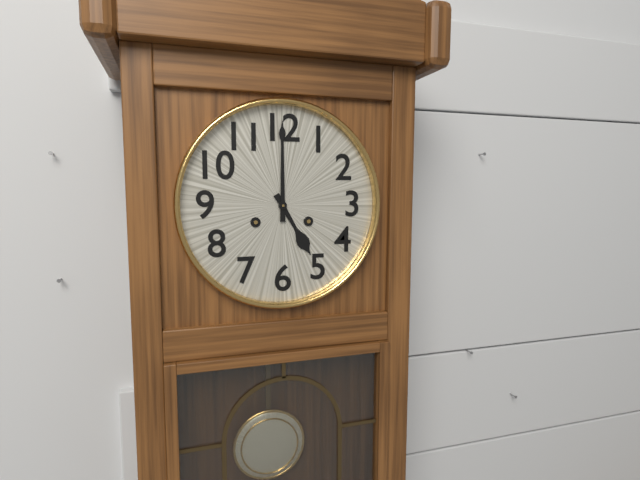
5:00
